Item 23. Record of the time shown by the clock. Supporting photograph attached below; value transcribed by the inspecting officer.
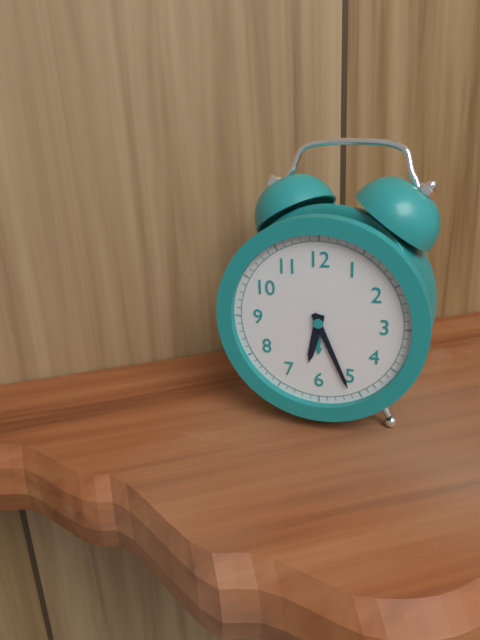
6:26
